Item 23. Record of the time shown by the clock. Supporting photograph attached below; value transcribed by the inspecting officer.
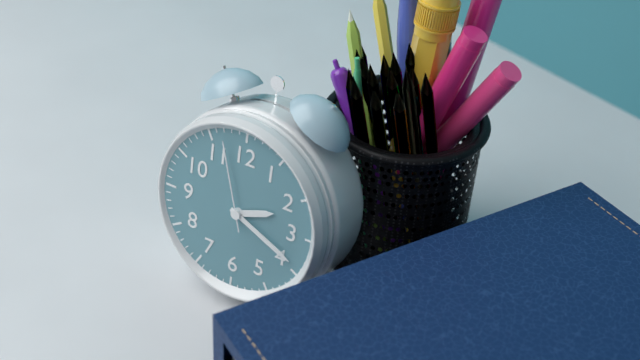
2:19:57
